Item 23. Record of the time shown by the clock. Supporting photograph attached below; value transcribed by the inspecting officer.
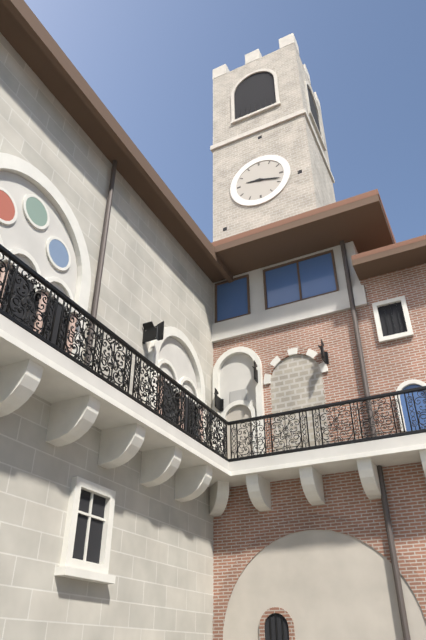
9:18
